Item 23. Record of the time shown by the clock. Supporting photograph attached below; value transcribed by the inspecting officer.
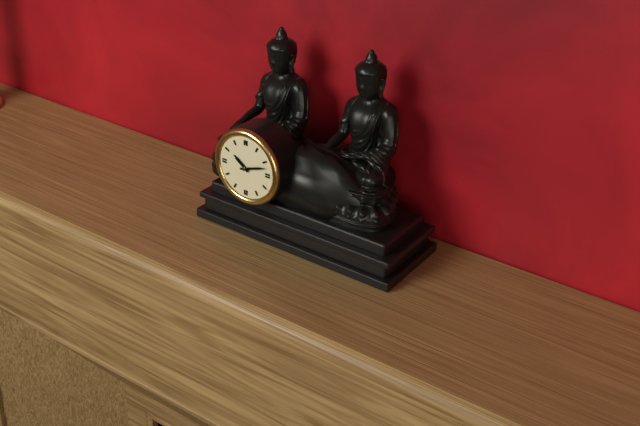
10:12
